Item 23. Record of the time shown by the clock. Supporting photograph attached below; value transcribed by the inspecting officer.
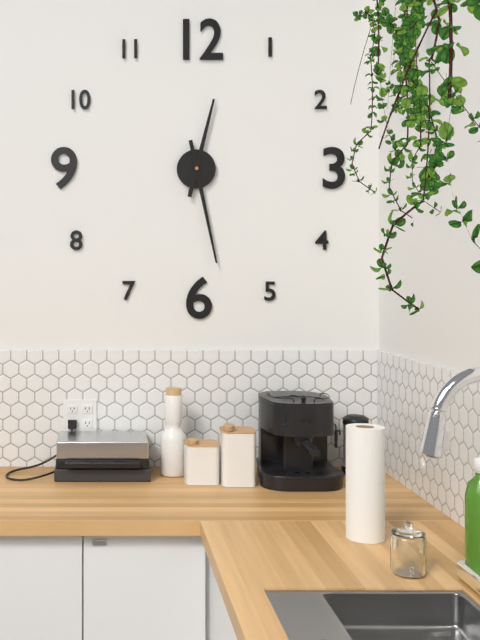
12:28
